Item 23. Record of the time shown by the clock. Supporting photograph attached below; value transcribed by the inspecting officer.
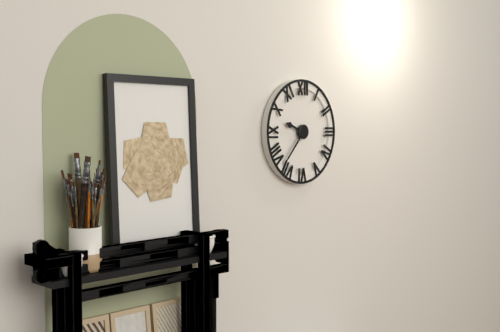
9:37
